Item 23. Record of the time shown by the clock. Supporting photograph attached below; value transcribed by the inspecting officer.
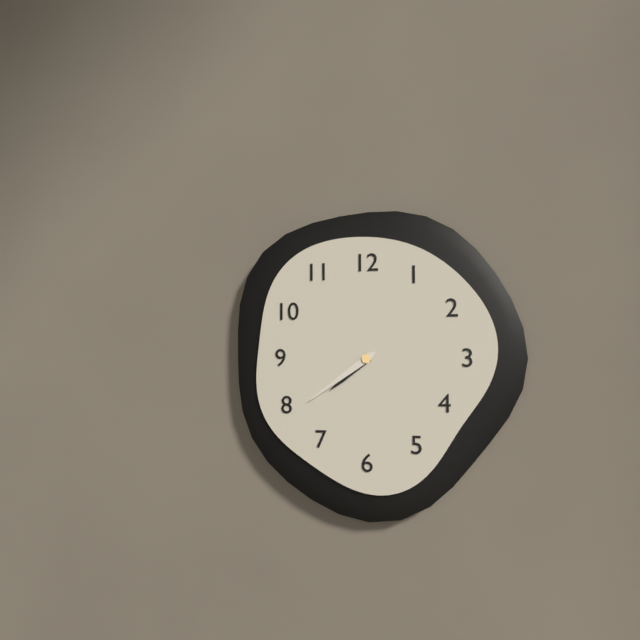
7:39
